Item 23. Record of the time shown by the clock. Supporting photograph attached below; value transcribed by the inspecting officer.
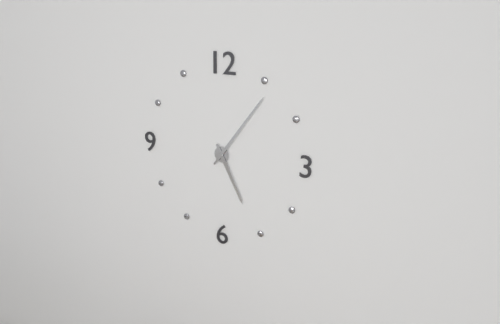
5:06
